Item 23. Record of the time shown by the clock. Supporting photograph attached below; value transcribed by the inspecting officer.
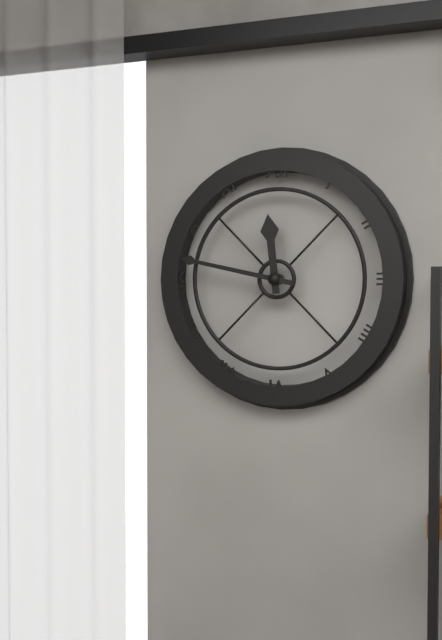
11:47
